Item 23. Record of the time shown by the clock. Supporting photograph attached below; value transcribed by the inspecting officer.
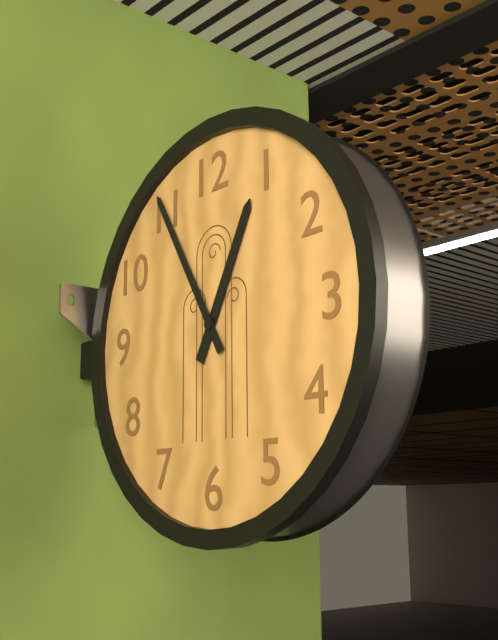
12:55
